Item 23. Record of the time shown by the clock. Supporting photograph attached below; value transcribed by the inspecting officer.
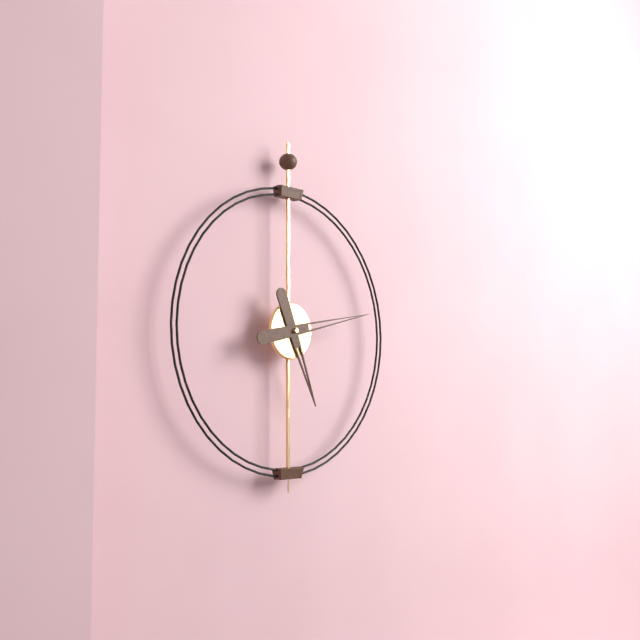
5:13
